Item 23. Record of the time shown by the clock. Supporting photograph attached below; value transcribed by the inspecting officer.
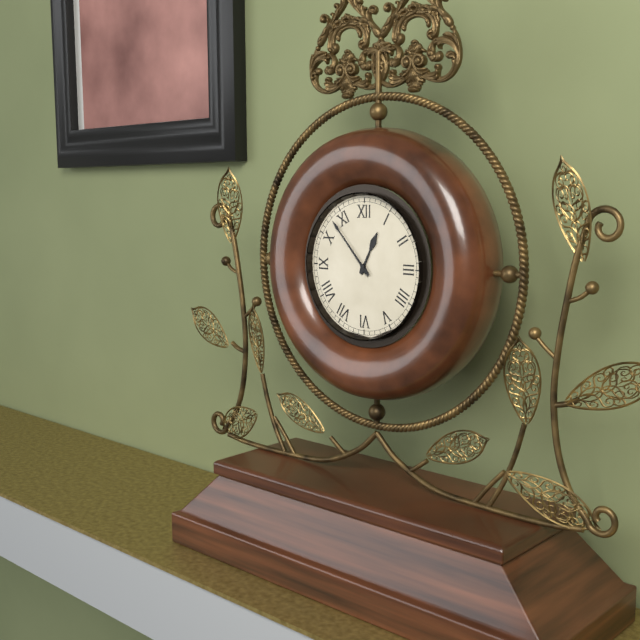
12:53
